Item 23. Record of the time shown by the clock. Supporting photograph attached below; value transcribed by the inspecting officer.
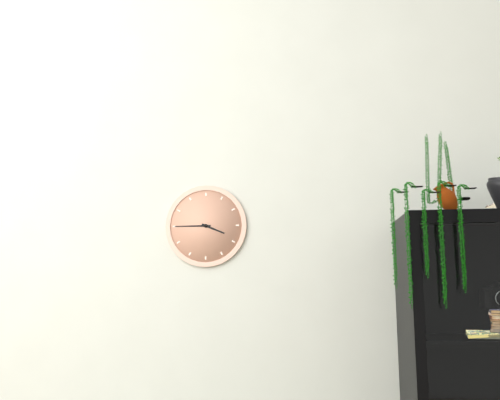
3:45
